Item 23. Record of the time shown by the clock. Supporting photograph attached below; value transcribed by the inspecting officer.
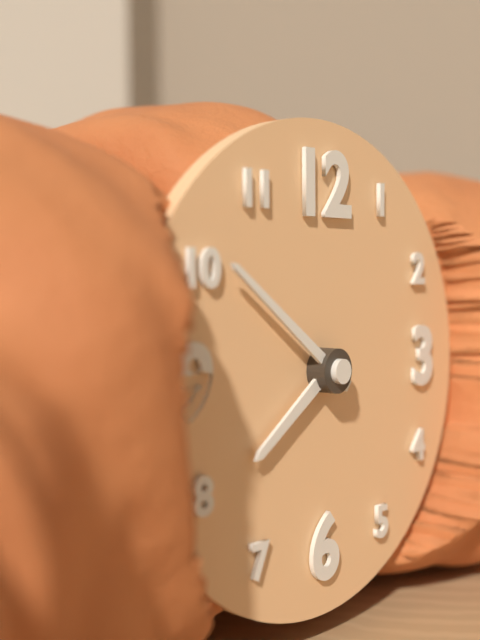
7:51
